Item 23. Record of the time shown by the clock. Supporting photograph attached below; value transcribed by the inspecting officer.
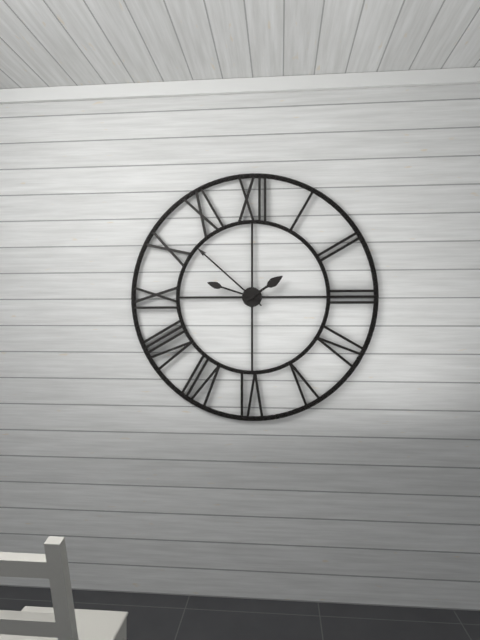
1:52:48
